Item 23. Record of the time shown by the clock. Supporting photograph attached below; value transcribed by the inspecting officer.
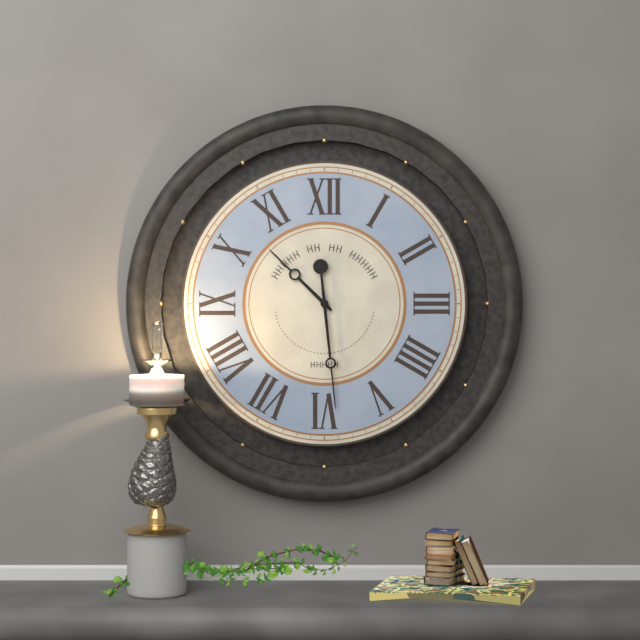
10:29
